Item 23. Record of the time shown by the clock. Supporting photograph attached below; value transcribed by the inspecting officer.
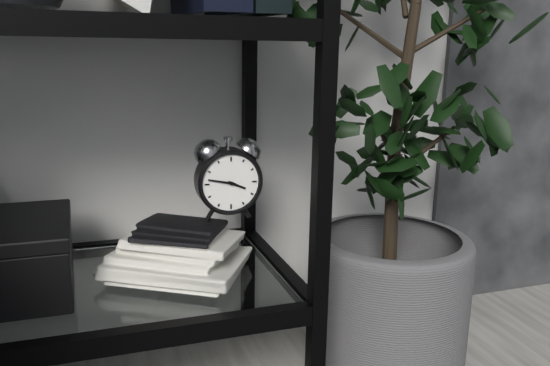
3:47
